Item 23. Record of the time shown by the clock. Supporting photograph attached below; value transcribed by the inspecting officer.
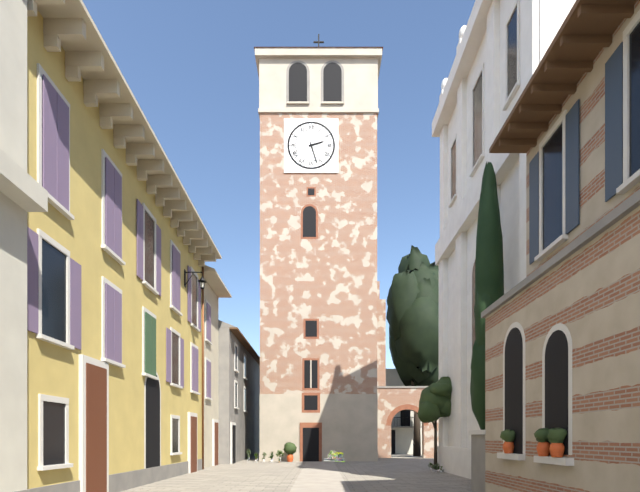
2:27
